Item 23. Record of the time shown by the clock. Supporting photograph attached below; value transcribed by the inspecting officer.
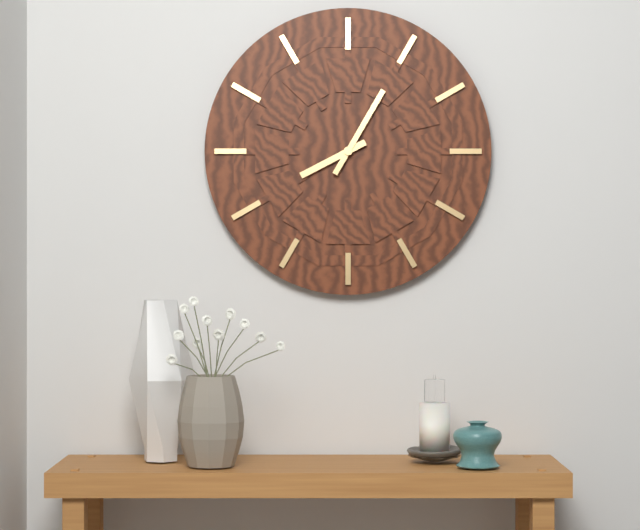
8:05
